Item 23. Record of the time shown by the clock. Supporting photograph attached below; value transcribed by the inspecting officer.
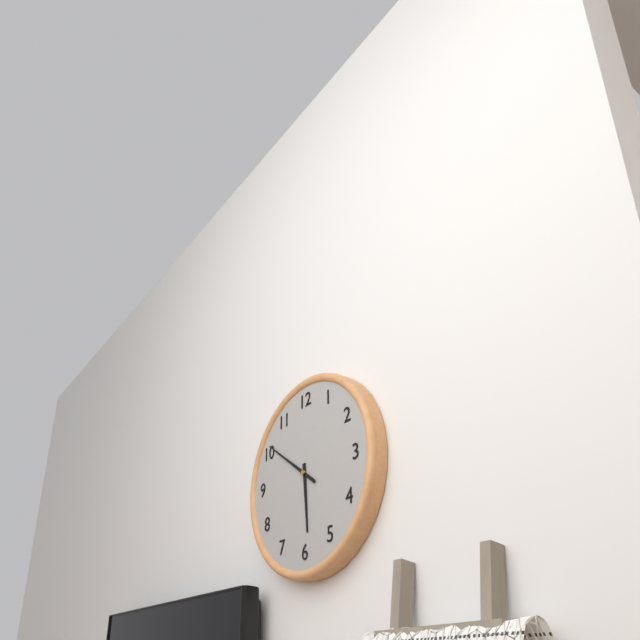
5:51
